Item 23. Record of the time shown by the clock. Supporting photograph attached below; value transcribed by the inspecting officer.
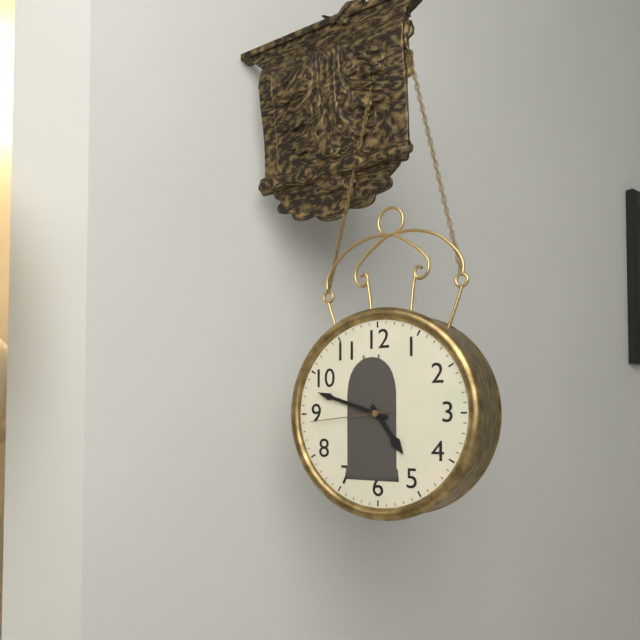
4:48:44
